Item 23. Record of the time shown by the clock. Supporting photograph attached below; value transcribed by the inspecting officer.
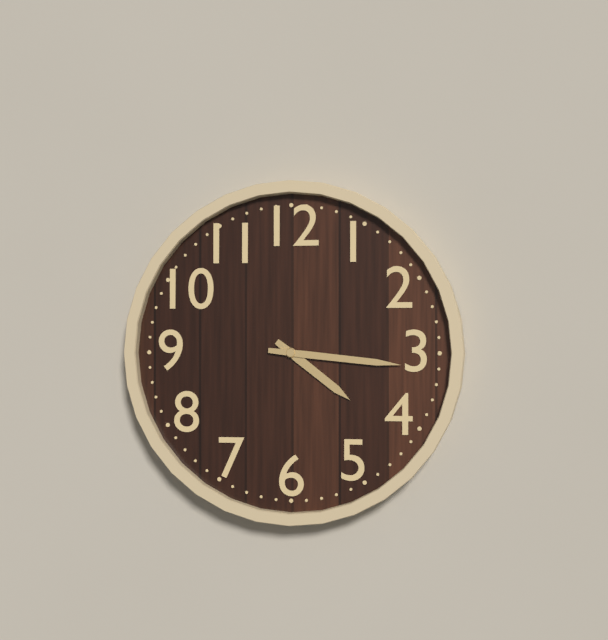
4:16
